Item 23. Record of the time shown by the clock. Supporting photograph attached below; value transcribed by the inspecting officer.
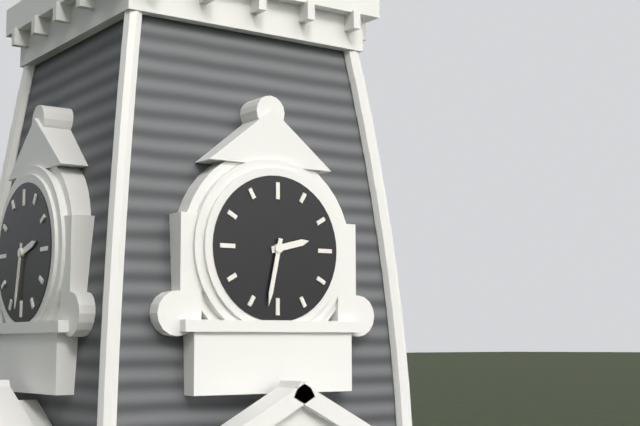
2:32
